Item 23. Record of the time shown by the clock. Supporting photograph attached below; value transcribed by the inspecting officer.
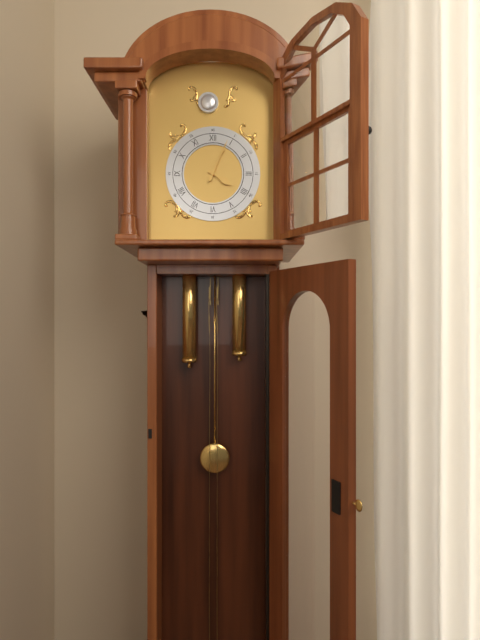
4:04
